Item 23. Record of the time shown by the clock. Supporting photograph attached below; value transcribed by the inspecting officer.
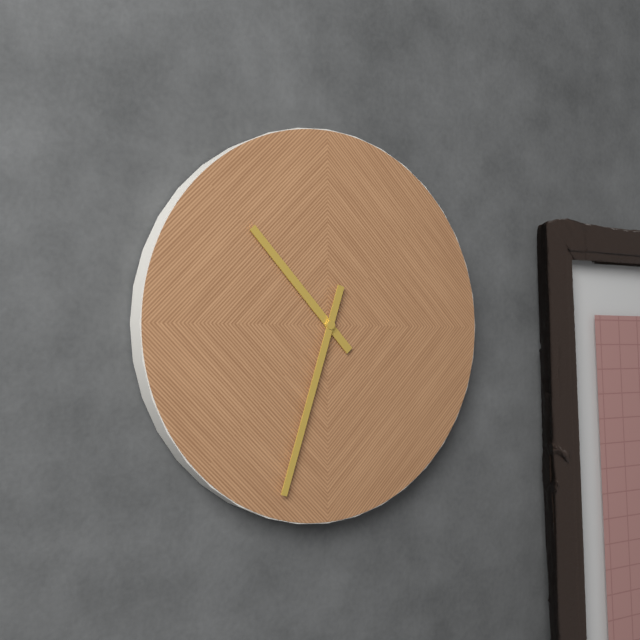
10:33
